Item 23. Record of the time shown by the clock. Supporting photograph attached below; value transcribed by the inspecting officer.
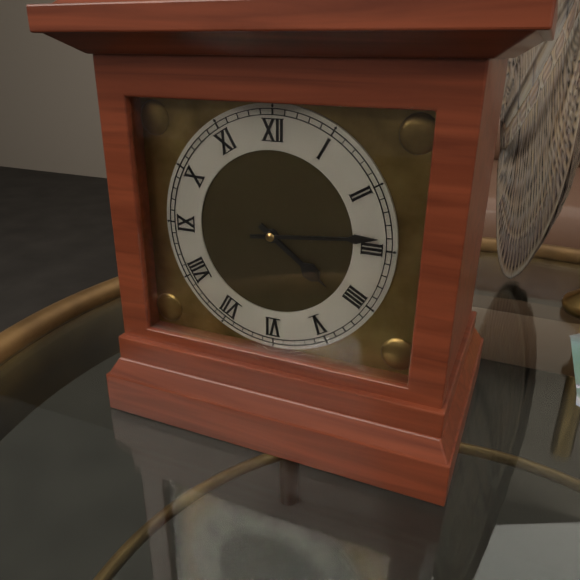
4:14
